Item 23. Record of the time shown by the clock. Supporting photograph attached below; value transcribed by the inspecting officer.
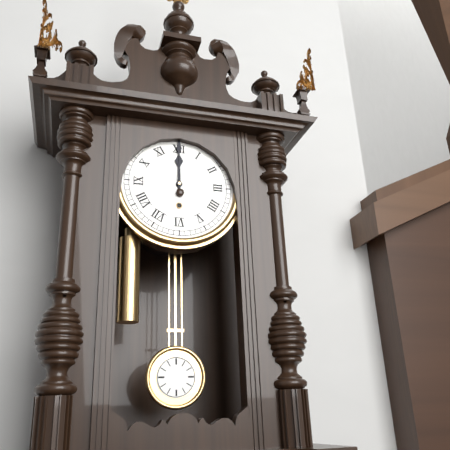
12:00
